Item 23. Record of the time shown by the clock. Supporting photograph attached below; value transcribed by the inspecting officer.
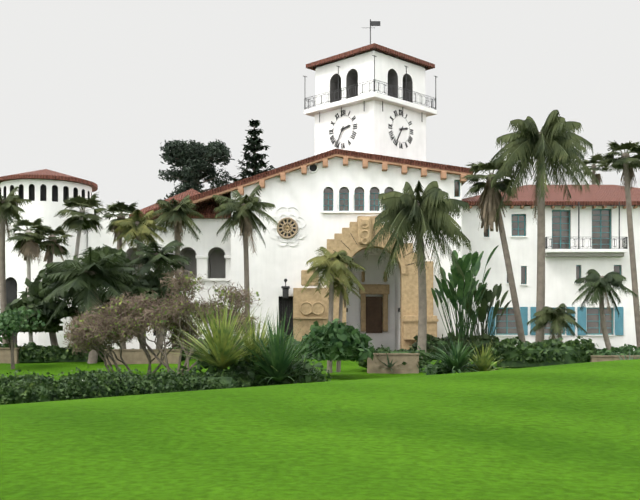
2:35
